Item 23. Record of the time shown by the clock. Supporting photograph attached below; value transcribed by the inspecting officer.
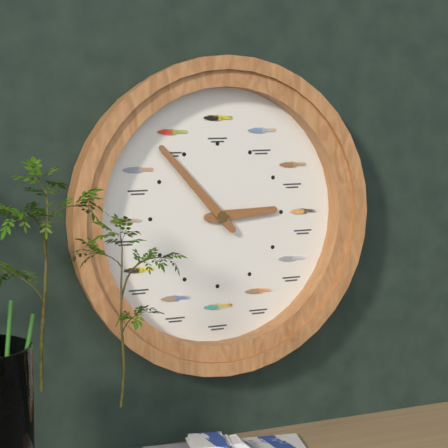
2:53
